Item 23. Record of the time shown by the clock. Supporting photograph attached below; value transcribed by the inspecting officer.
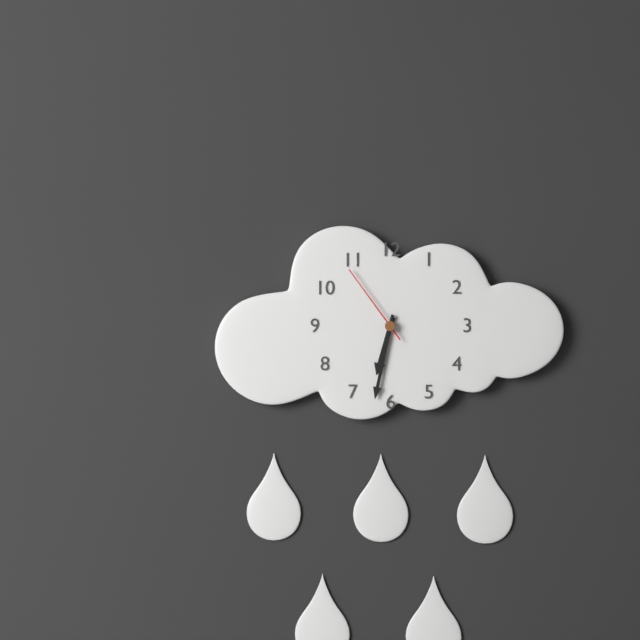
6:32:54
